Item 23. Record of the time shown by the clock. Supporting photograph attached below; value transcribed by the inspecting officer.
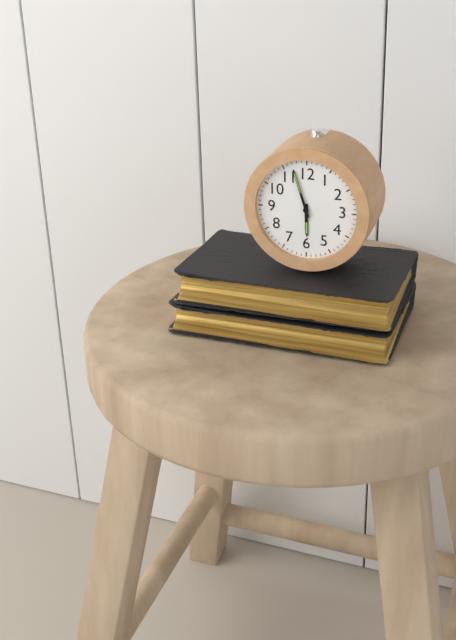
5:57
